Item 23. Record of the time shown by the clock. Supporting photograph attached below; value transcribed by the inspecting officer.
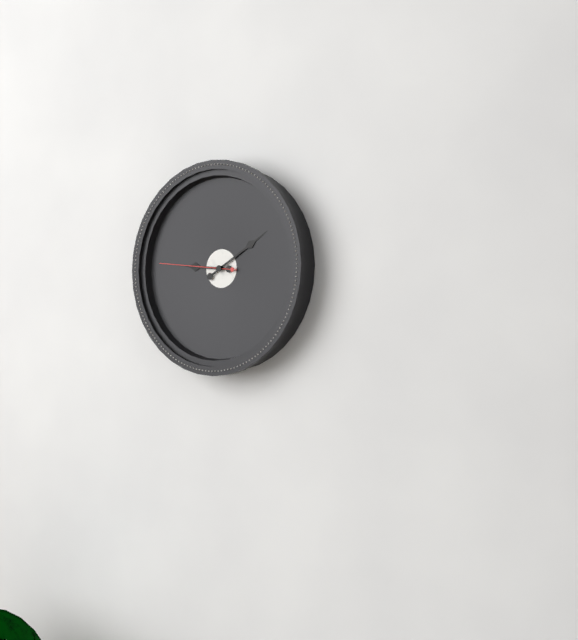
9:10:46
